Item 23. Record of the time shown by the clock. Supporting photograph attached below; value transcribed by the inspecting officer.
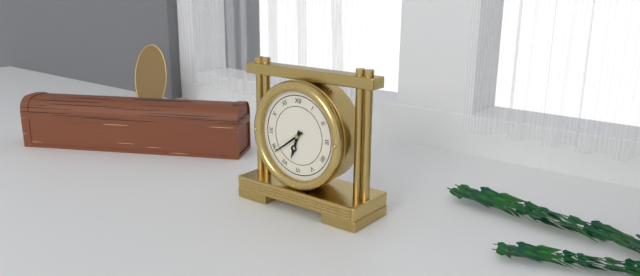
6:39
